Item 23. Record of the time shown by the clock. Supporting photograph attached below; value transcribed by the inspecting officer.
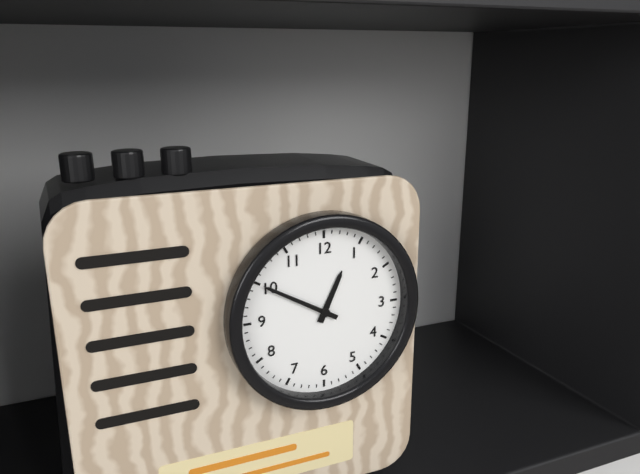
12:50
